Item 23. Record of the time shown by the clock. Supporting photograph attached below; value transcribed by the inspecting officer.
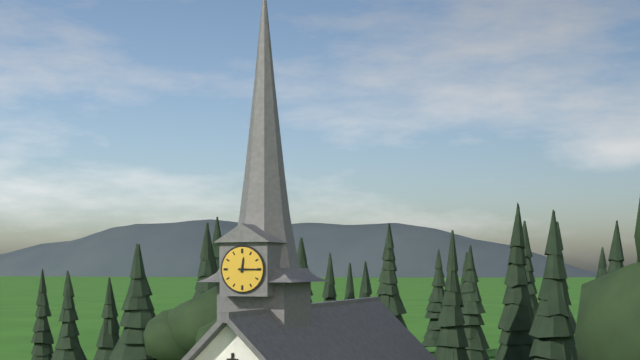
12:15
